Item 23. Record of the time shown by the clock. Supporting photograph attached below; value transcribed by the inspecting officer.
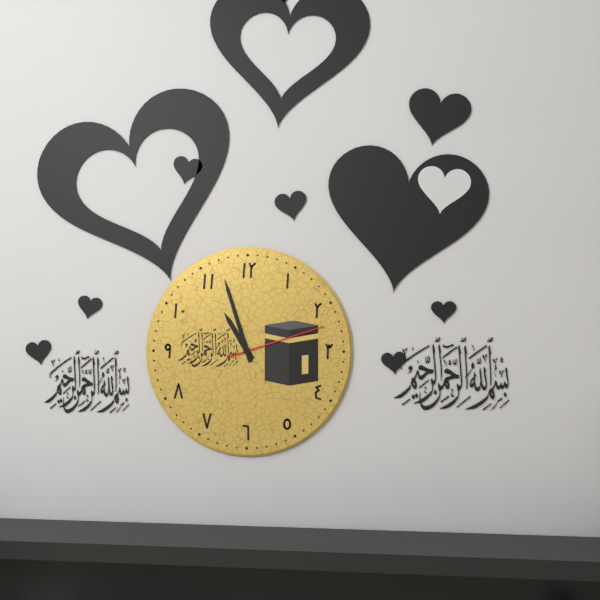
10:57:12
